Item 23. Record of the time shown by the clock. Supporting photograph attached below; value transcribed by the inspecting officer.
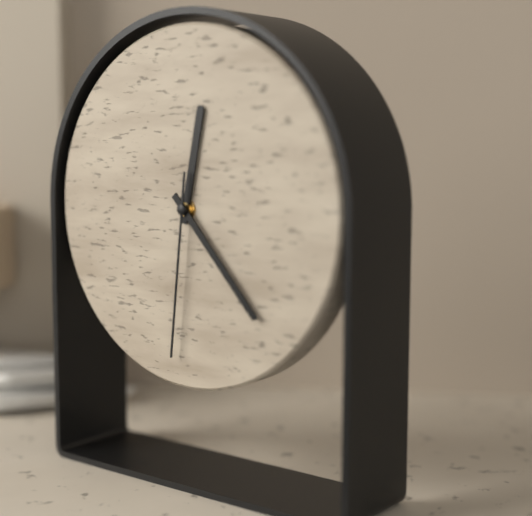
12:23:31
